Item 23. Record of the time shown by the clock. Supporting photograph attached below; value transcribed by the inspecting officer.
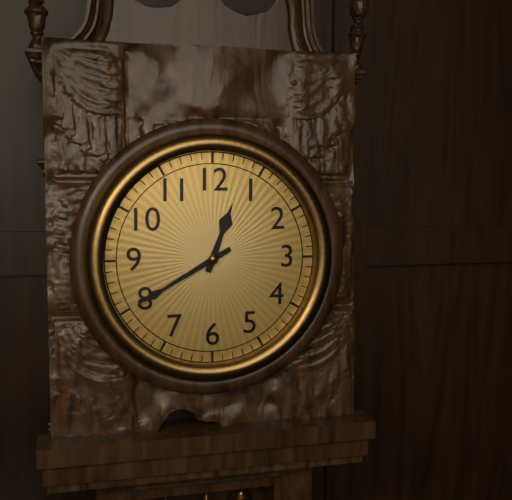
12:40
